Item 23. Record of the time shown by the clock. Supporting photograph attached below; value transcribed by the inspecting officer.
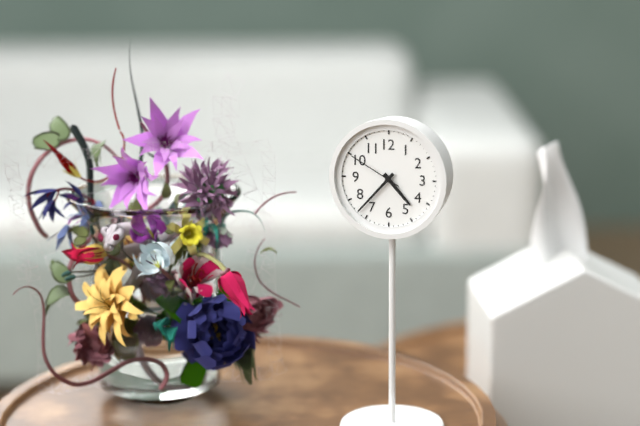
4:37:50
